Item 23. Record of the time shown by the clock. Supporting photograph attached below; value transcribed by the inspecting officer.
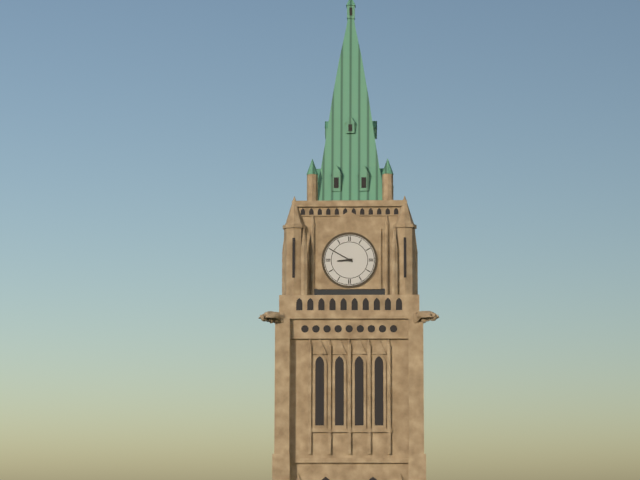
8:50
